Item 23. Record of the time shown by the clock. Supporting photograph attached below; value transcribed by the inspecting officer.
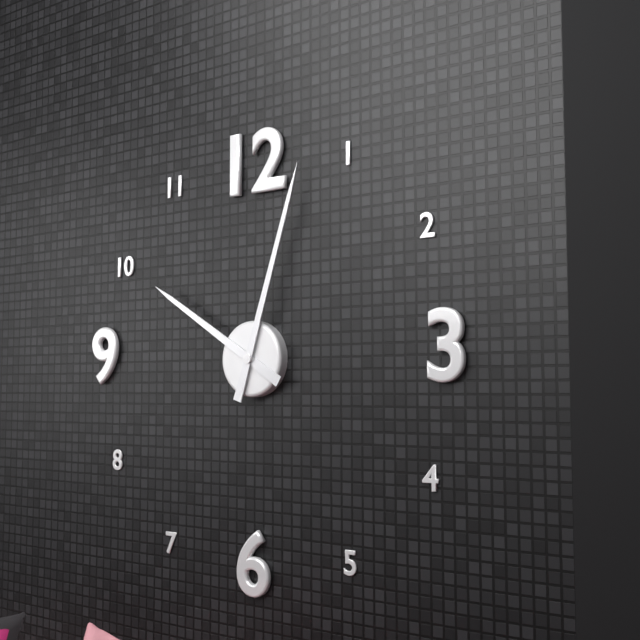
10:03
